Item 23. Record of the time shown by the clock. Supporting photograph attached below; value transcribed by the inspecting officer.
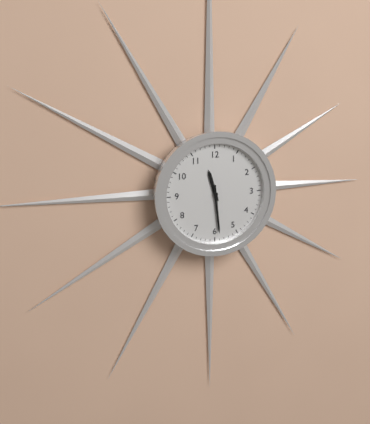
11:29
